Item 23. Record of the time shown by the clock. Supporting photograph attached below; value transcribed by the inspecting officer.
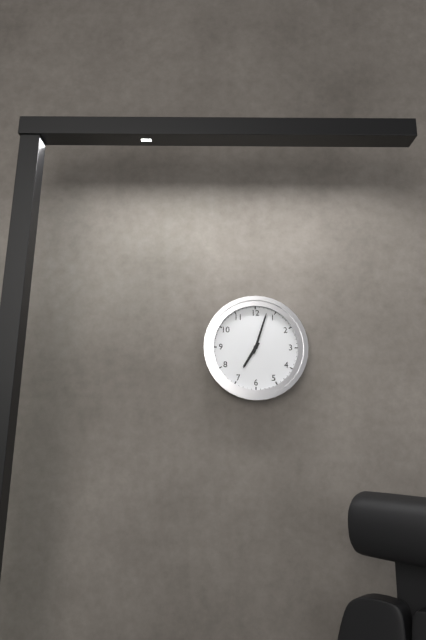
7:03
